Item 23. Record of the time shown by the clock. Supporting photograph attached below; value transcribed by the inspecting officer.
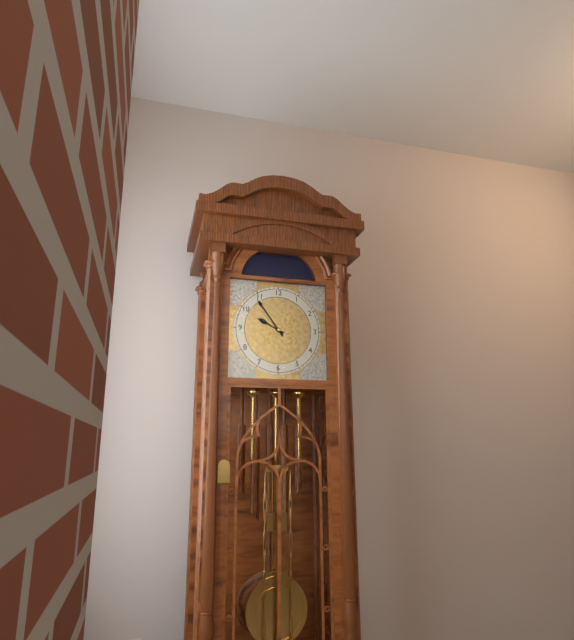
9:54
